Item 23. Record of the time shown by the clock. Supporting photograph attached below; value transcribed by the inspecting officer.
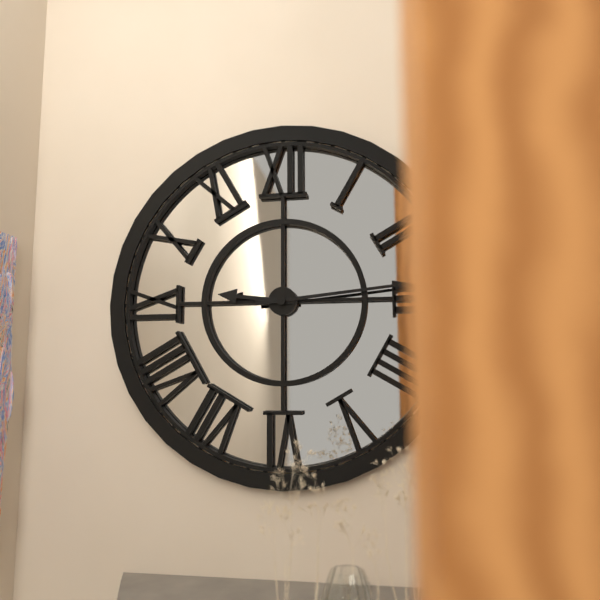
9:14
